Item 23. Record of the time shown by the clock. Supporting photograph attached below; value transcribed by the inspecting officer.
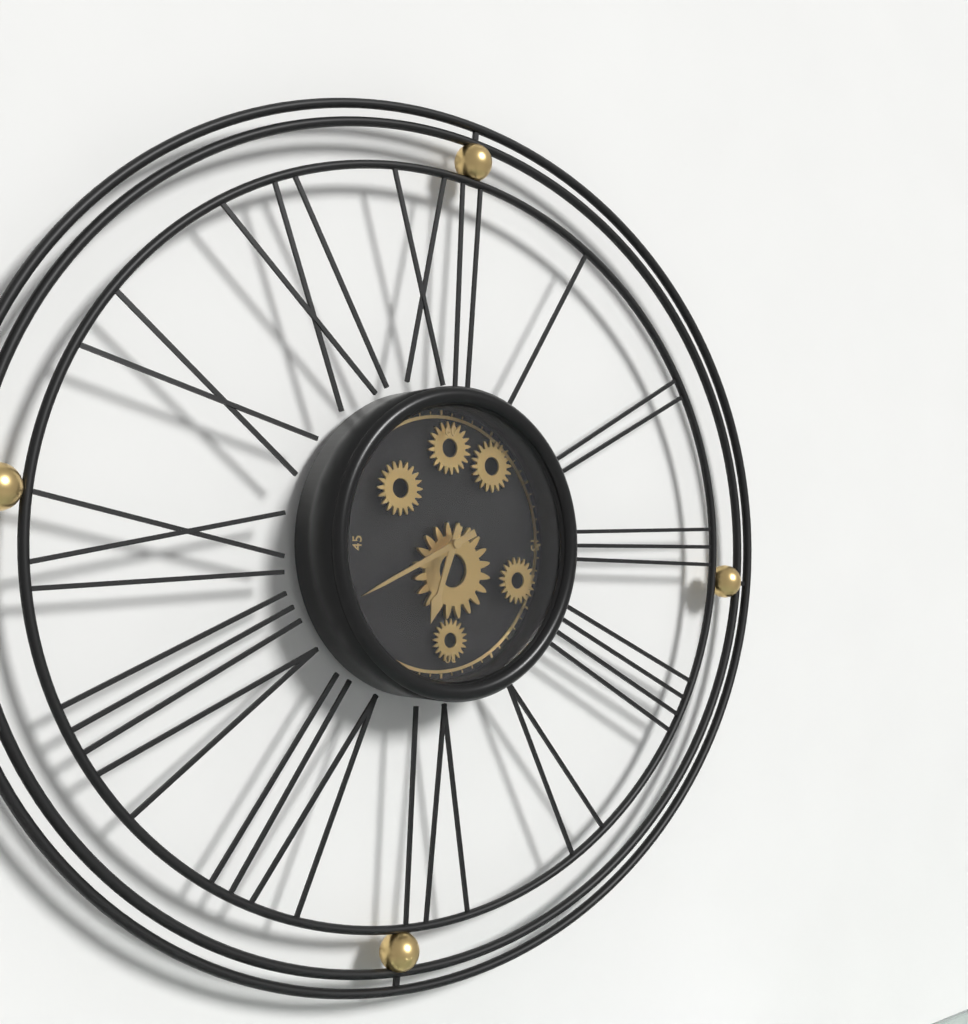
6:41
